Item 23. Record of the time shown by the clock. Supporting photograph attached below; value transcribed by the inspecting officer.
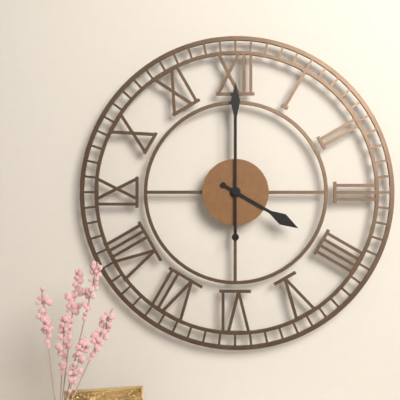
4:00
